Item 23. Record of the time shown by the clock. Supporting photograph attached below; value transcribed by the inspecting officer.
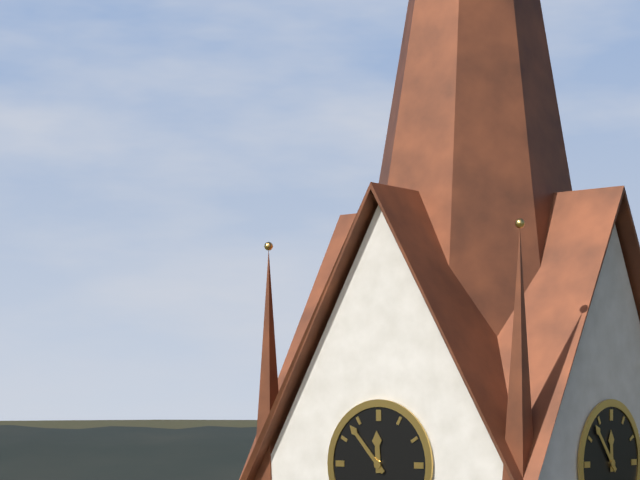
11:53
